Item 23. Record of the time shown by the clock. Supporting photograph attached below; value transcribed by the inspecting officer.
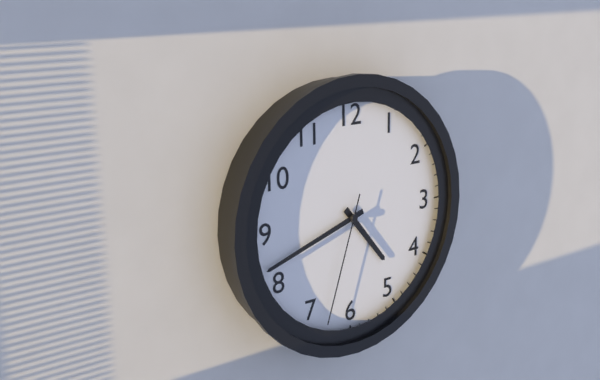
4:42:33
